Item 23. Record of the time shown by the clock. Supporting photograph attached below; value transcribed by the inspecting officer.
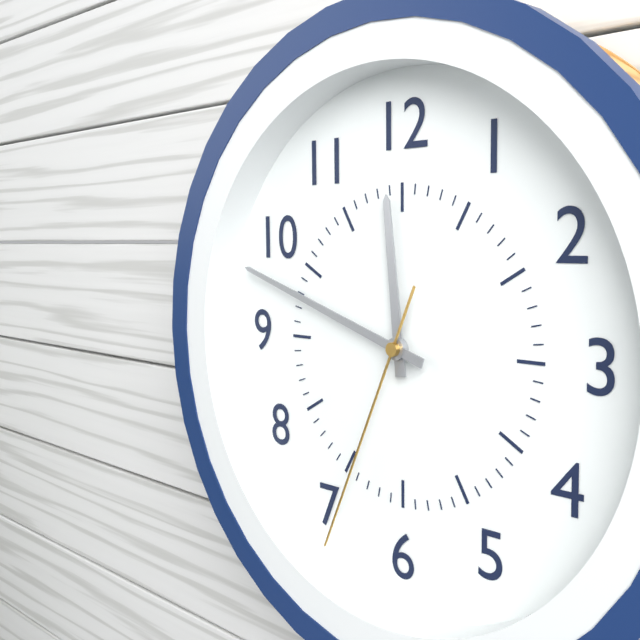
11:48:34
